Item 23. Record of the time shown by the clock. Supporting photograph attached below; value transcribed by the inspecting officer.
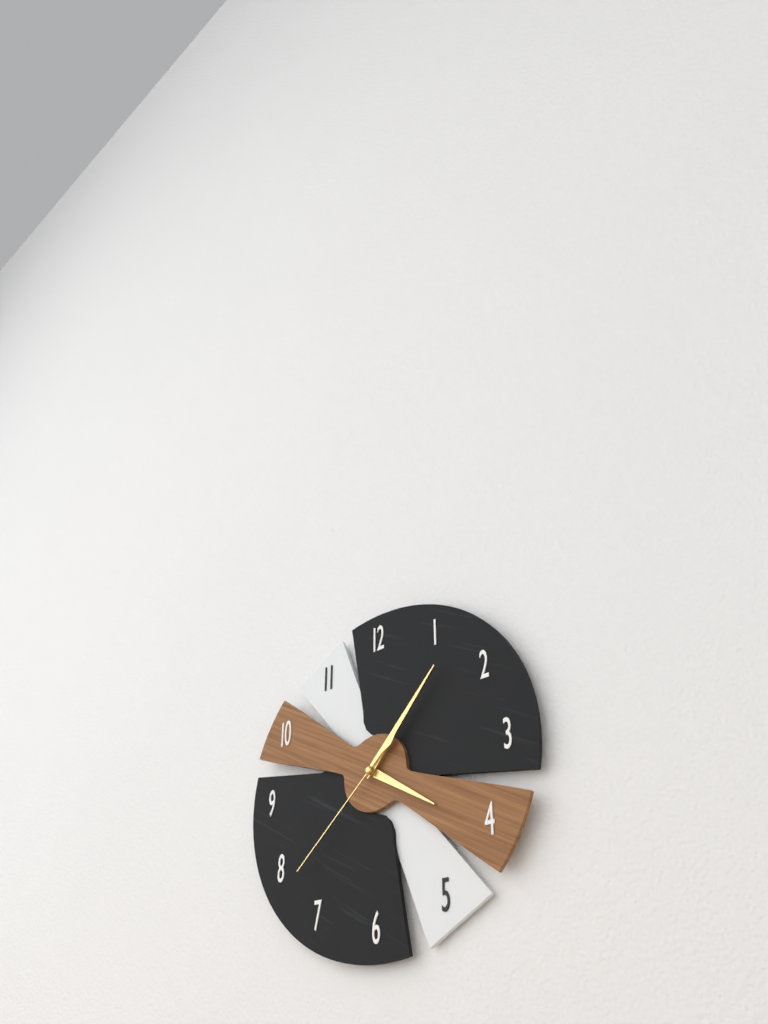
4:07:38
